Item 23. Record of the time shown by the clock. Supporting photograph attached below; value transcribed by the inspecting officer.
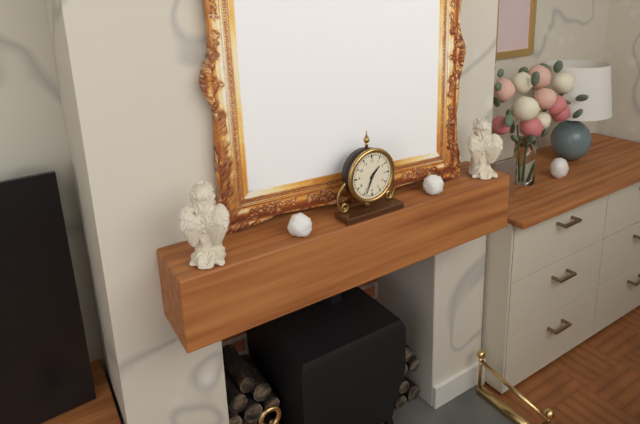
1:34
